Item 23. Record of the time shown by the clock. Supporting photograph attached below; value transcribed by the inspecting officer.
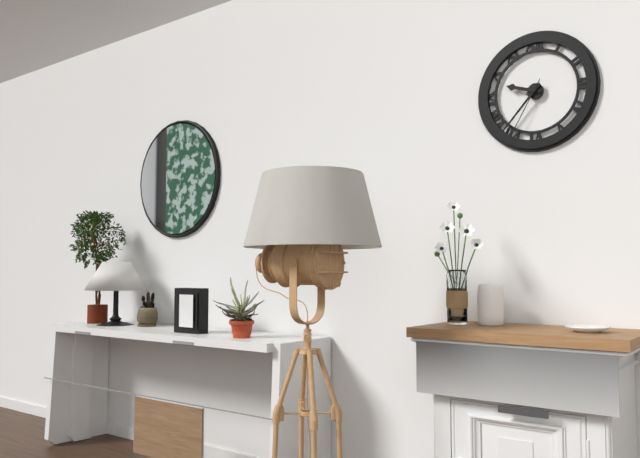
9:37:35
